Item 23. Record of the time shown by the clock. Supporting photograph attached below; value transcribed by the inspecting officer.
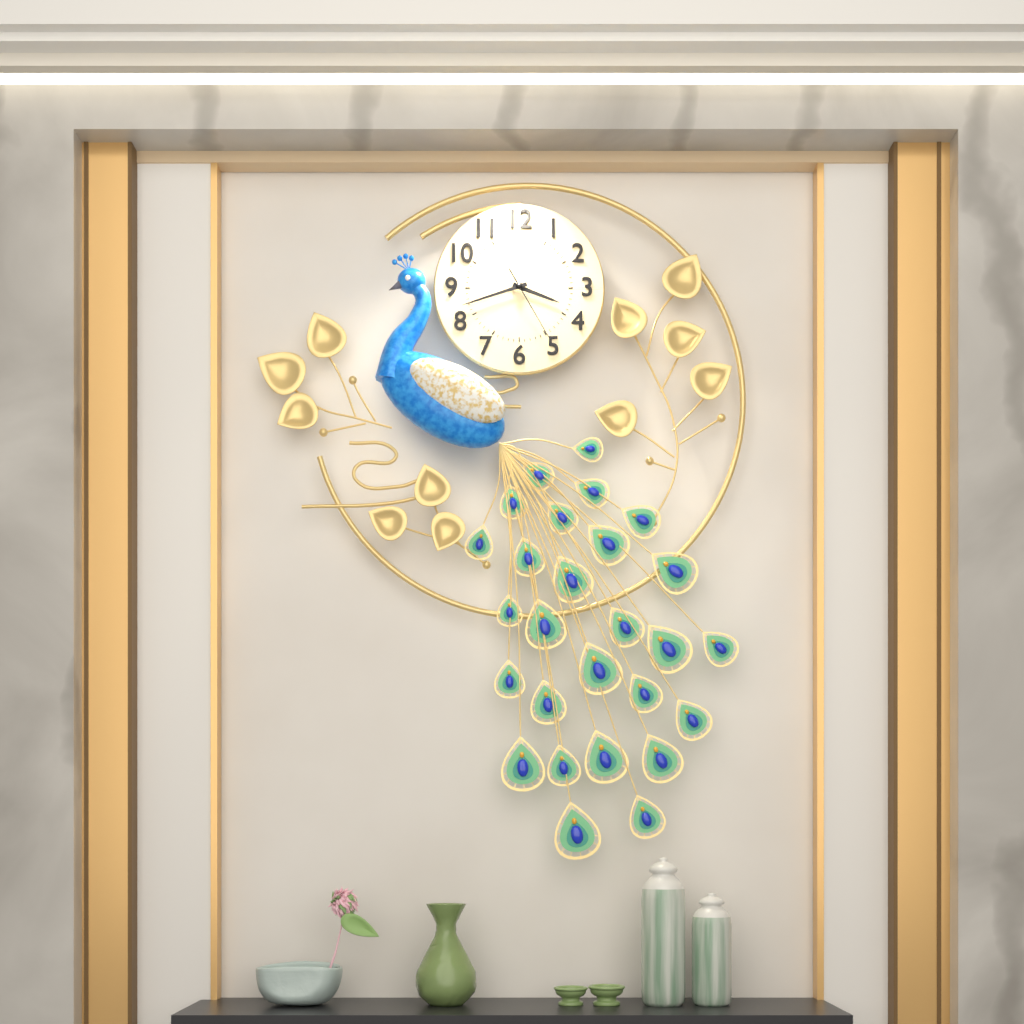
3:42:25
